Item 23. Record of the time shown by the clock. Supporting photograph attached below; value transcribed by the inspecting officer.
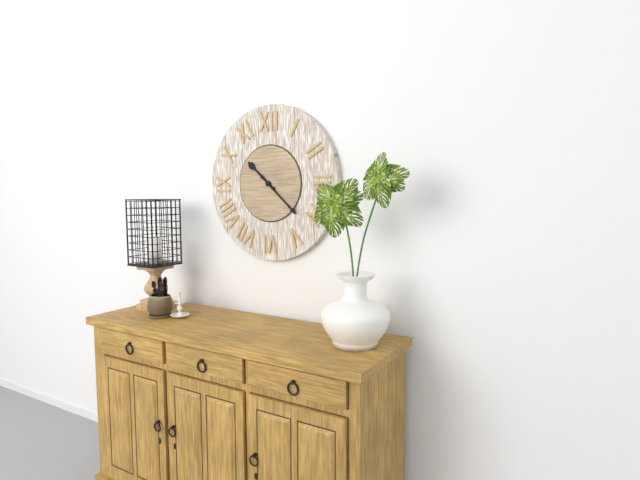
10:22
